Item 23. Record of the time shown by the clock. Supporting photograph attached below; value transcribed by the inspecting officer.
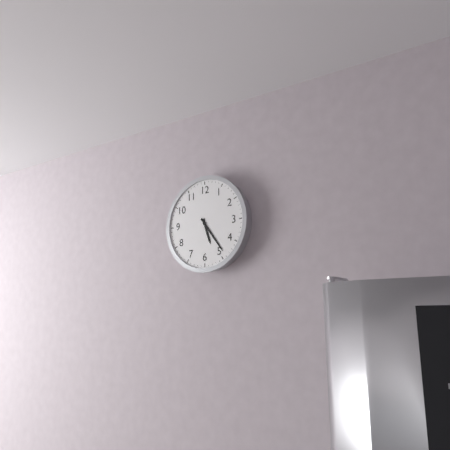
5:24
